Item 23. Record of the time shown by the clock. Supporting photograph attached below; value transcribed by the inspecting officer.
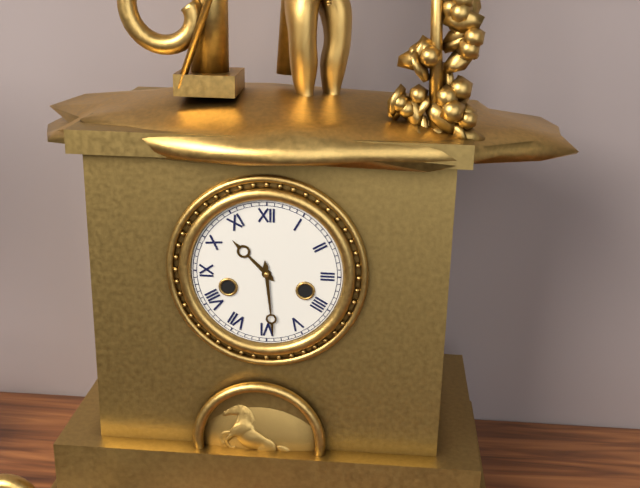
10:29
